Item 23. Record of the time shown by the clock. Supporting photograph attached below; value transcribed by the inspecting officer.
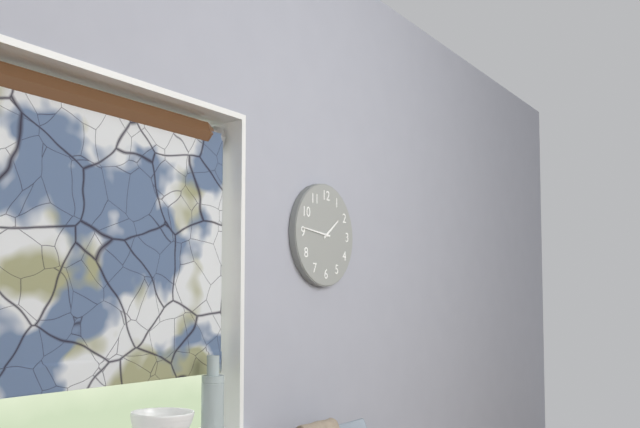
1:46
